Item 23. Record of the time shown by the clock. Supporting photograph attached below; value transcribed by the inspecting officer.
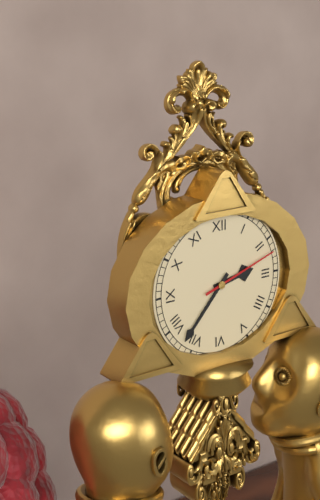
2:37:12
